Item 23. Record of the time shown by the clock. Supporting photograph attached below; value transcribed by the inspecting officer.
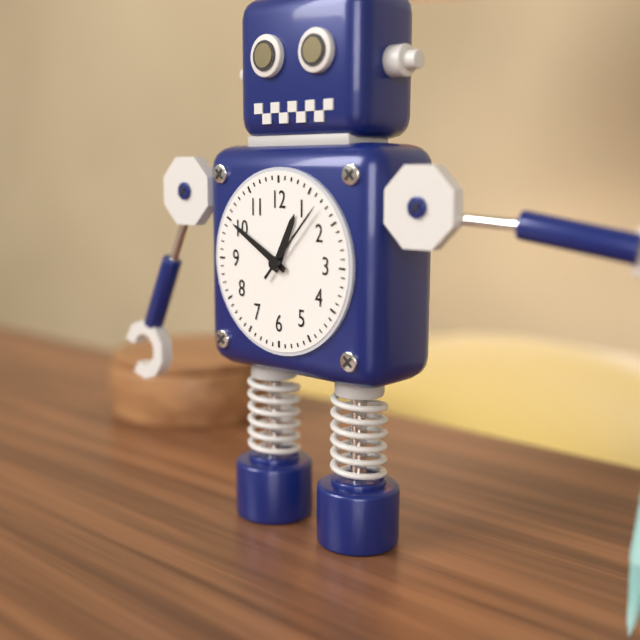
12:50:07
